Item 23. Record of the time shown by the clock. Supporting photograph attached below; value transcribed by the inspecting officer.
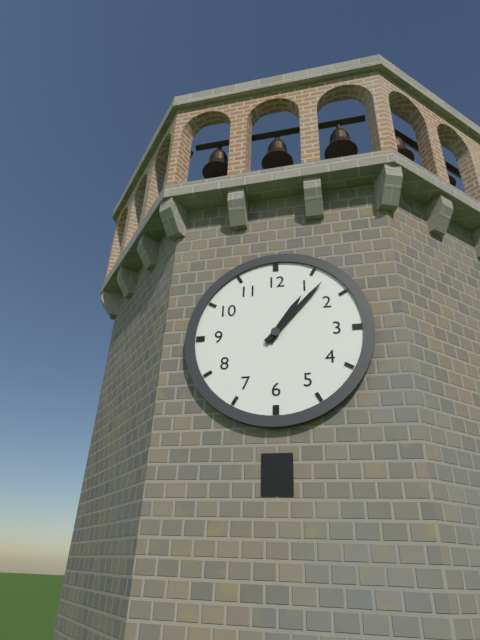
1:07
